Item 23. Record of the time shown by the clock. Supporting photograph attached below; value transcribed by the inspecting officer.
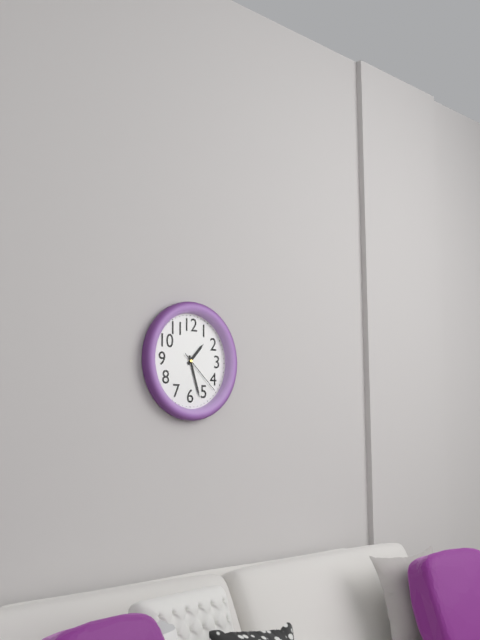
1:27
